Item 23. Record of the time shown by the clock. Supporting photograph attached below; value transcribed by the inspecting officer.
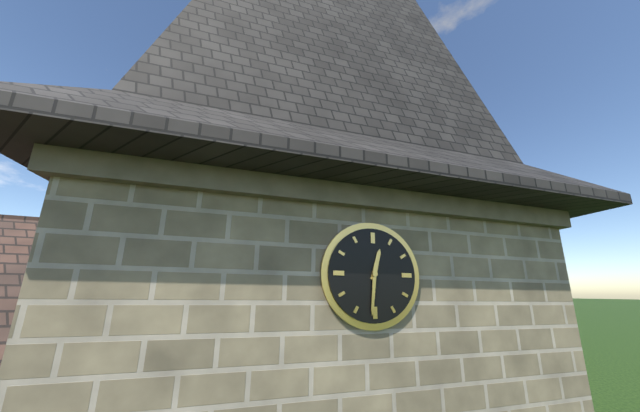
12:31
